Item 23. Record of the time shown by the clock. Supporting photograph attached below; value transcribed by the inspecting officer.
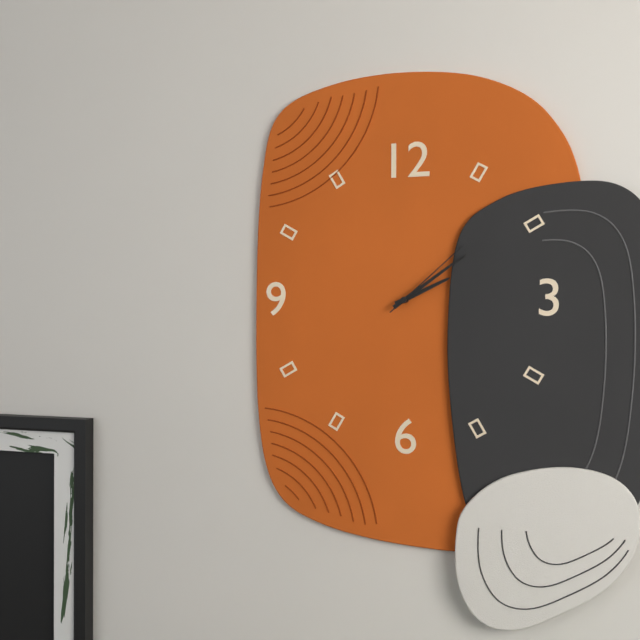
2:09:08
